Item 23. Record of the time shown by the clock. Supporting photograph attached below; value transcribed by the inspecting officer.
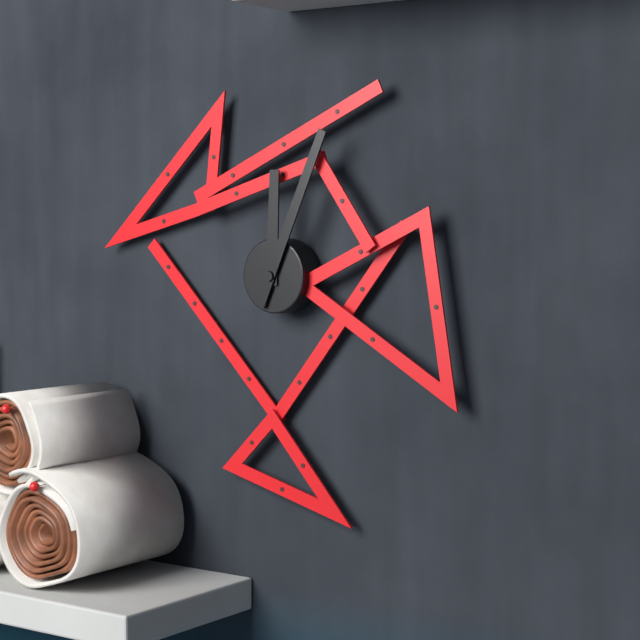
12:04
